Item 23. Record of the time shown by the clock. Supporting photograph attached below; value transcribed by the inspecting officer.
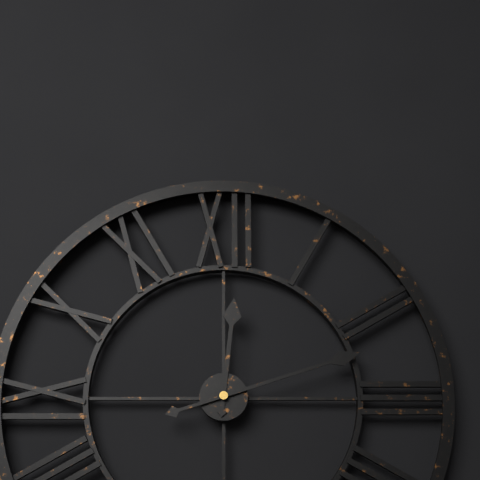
12:12
